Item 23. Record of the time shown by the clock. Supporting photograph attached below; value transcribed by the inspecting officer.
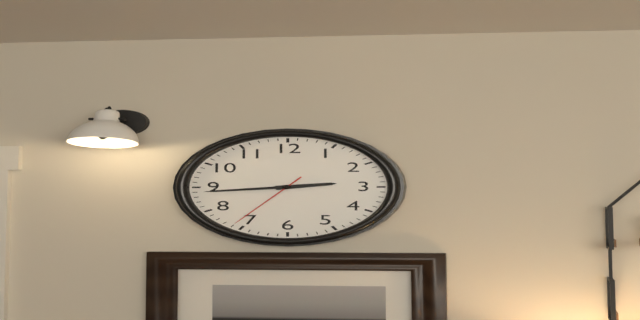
2:44:36
